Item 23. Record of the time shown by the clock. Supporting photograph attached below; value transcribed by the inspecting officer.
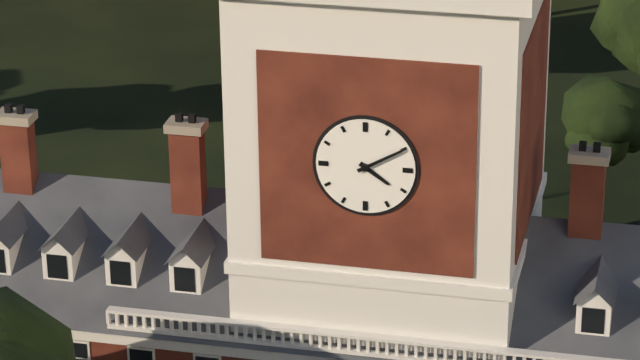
4:10
